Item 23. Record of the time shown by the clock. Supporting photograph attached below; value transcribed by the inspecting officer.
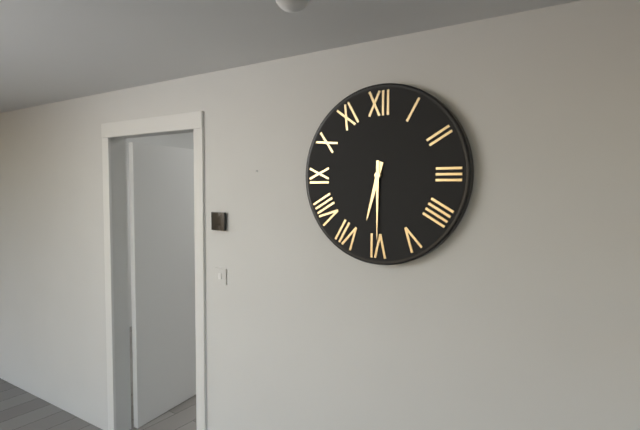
6:30
